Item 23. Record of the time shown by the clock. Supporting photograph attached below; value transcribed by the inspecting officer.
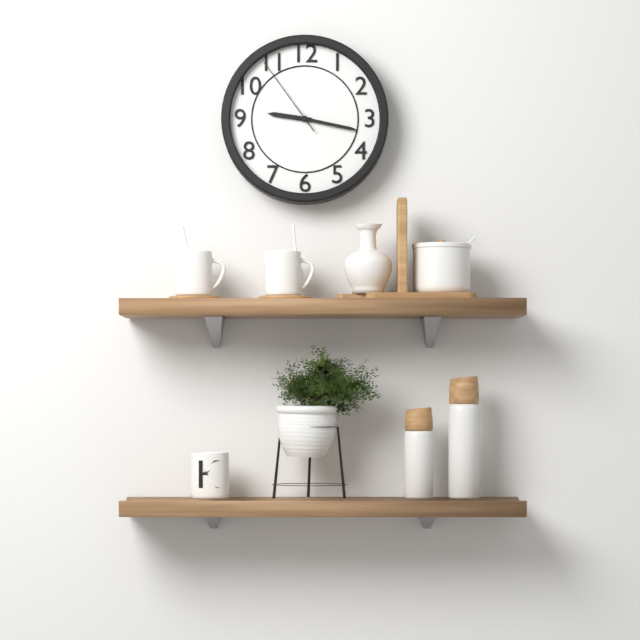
9:17:54
